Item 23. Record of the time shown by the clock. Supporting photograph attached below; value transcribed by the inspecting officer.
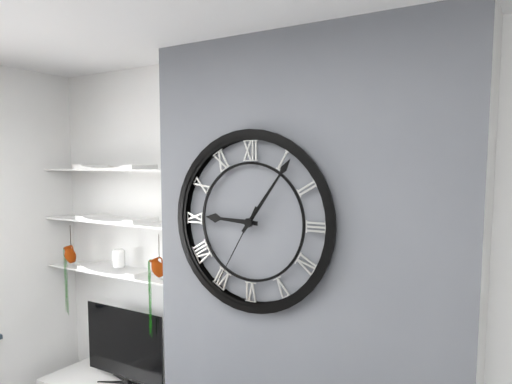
9:06:35
